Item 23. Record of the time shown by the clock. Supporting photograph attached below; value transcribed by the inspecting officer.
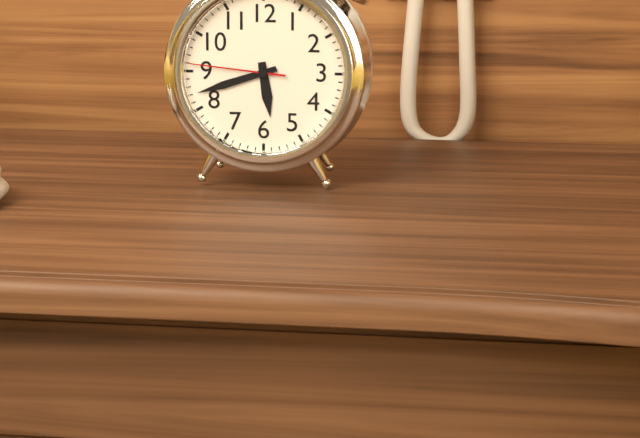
5:42:46
